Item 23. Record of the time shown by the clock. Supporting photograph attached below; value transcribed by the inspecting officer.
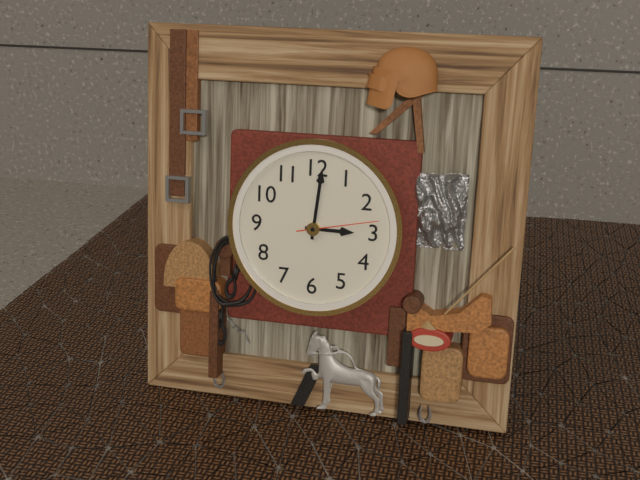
3:01:13
